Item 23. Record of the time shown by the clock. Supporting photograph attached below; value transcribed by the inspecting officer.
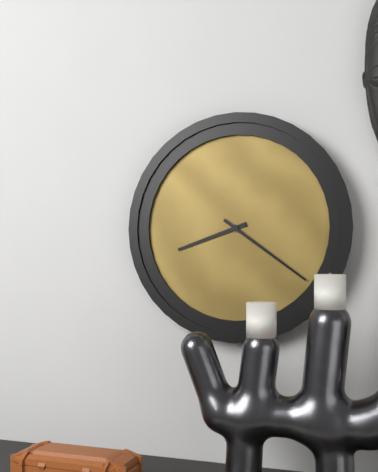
8:21
